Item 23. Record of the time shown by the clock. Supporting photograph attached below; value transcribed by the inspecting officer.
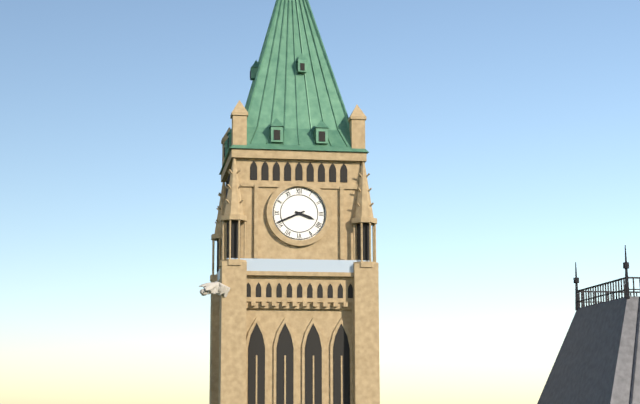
3:41
